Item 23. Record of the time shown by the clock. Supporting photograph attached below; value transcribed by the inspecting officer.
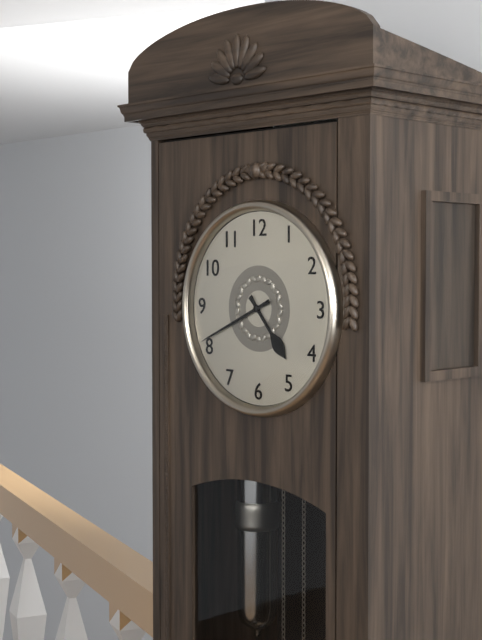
4:41
